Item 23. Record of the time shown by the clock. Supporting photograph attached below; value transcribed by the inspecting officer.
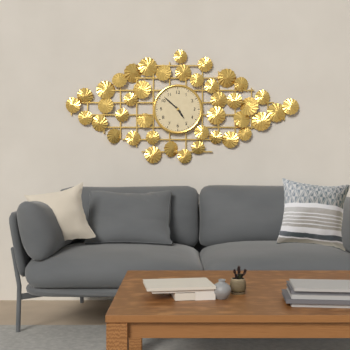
4:52
